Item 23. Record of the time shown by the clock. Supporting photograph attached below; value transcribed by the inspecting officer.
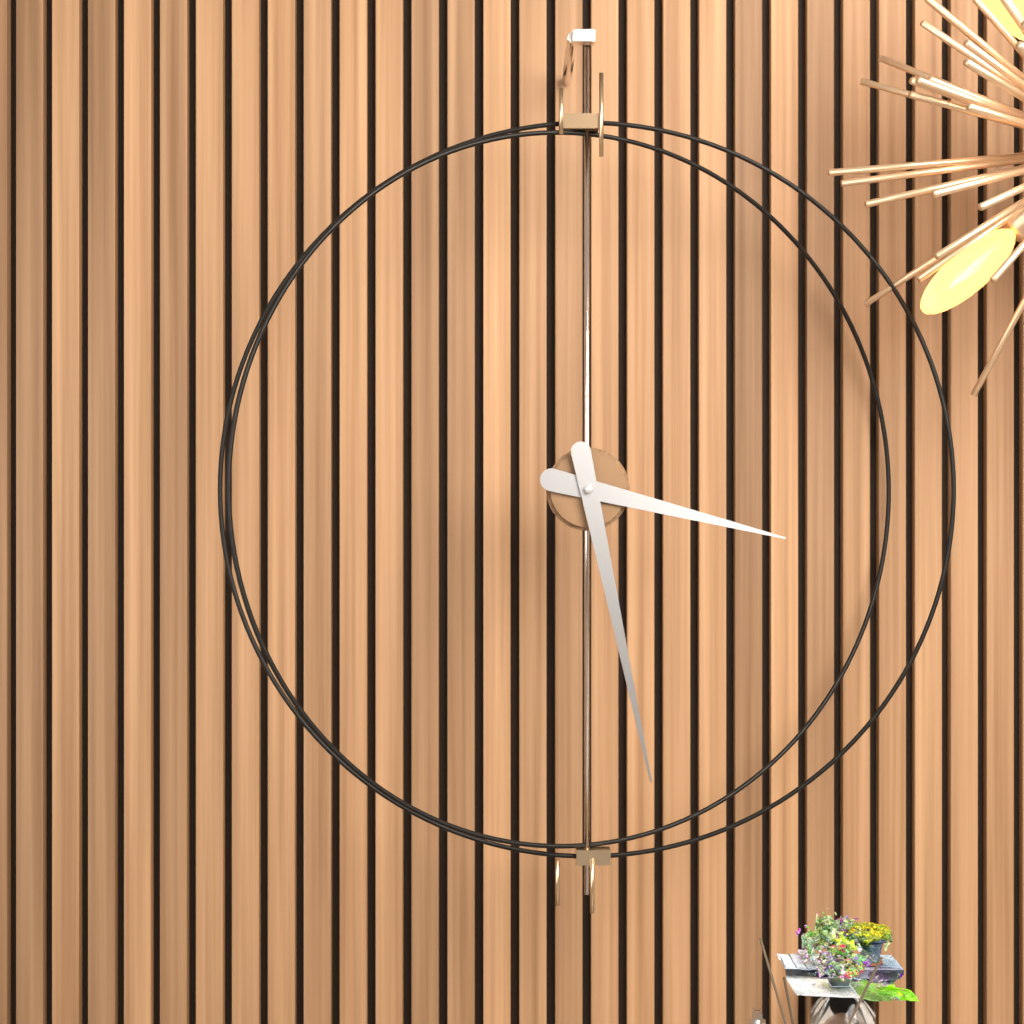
3:28
